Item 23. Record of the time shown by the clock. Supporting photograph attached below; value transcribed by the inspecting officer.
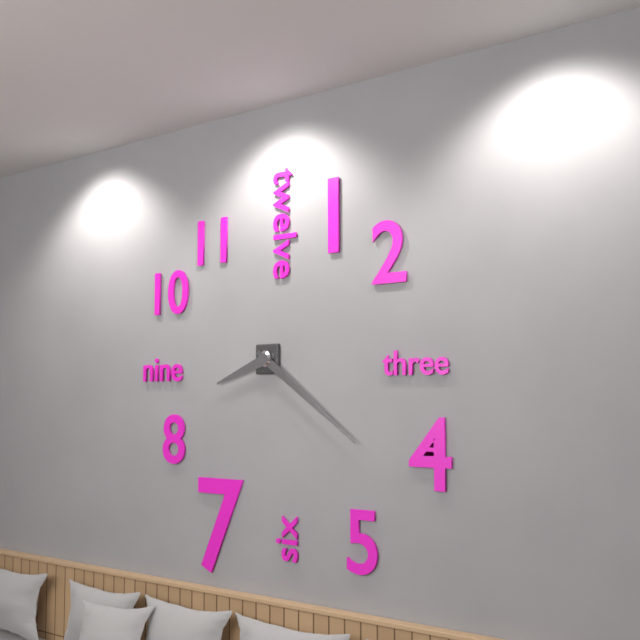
8:21
